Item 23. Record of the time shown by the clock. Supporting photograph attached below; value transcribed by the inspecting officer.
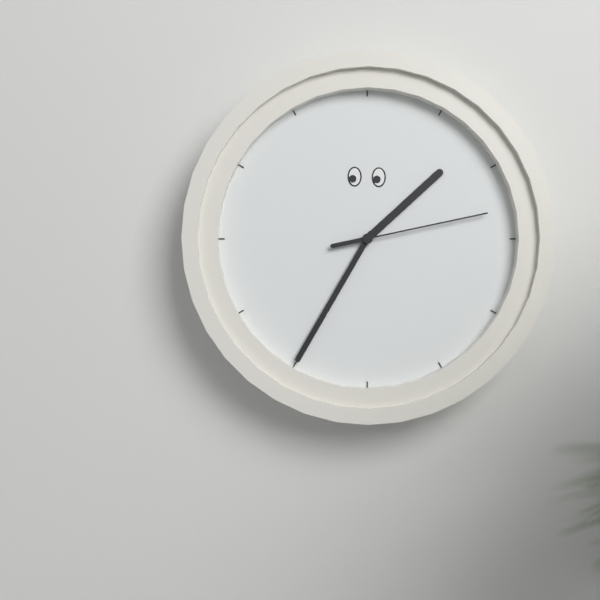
1:35:13
